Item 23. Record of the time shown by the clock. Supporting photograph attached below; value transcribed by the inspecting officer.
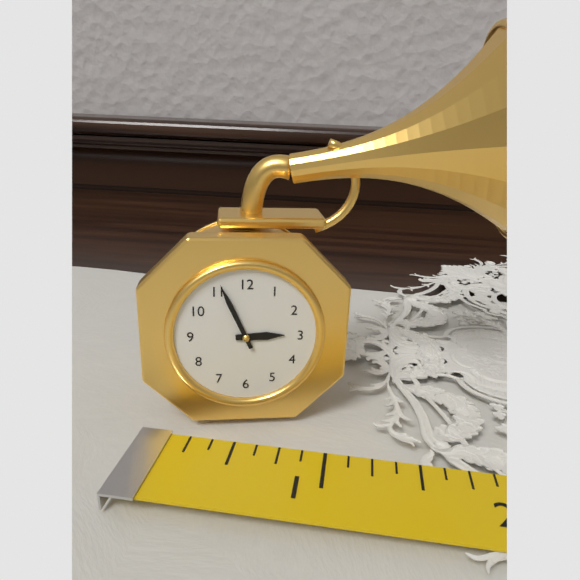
2:56
